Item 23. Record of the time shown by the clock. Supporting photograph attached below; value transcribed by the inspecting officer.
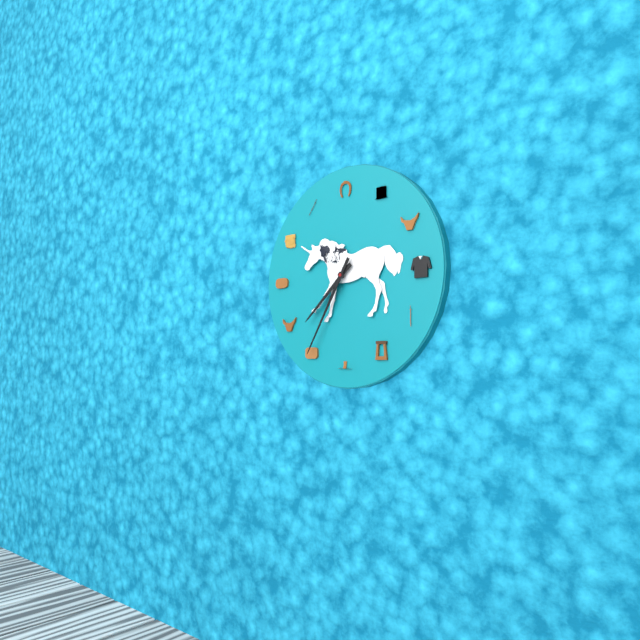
7:35
